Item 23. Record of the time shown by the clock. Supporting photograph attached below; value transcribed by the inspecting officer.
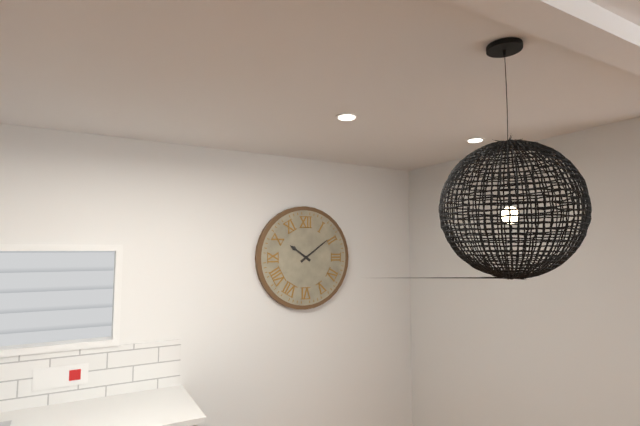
10:09
